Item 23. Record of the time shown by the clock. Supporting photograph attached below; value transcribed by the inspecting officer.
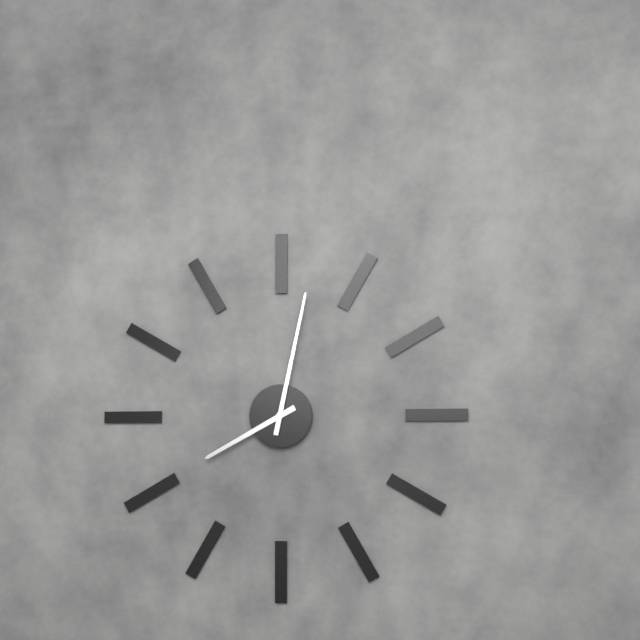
8:02
